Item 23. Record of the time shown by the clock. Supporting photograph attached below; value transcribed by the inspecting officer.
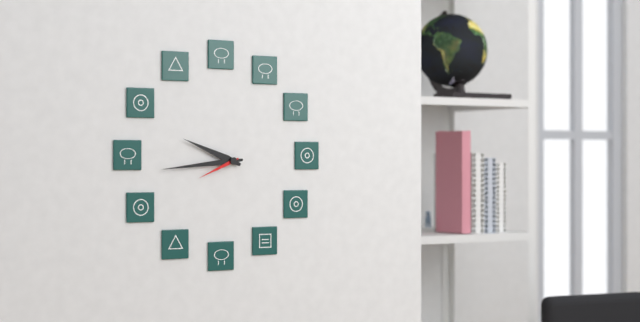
9:44
